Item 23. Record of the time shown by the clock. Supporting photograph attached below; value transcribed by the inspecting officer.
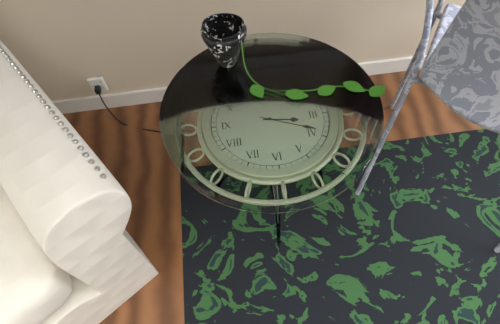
3:19
